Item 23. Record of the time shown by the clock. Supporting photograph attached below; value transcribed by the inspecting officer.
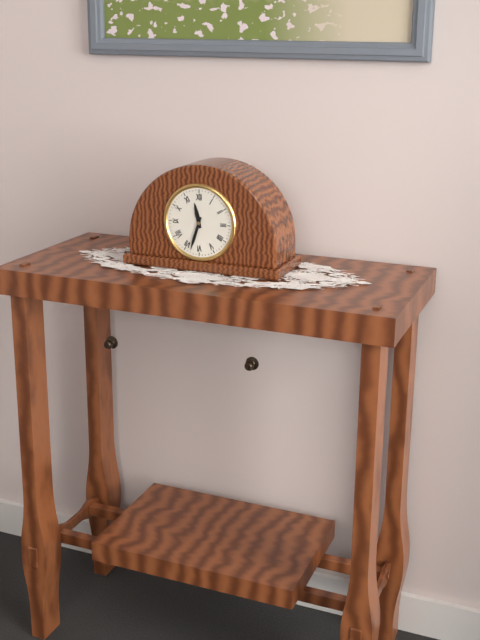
11:33
